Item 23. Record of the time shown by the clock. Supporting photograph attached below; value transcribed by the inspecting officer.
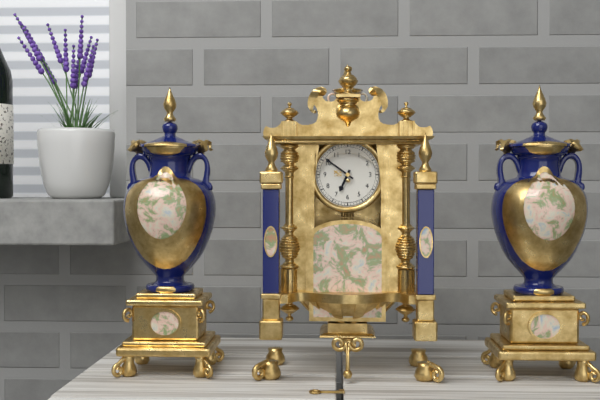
6:51
